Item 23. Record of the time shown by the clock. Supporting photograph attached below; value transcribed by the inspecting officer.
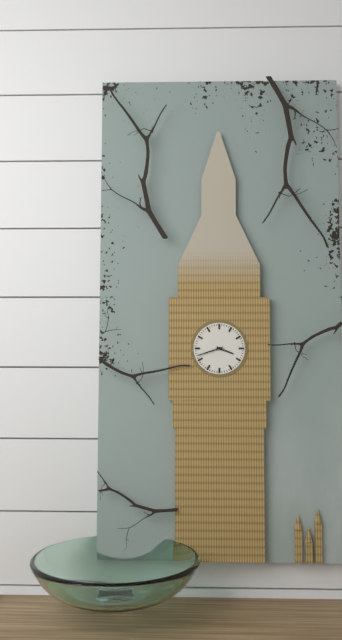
3:42
